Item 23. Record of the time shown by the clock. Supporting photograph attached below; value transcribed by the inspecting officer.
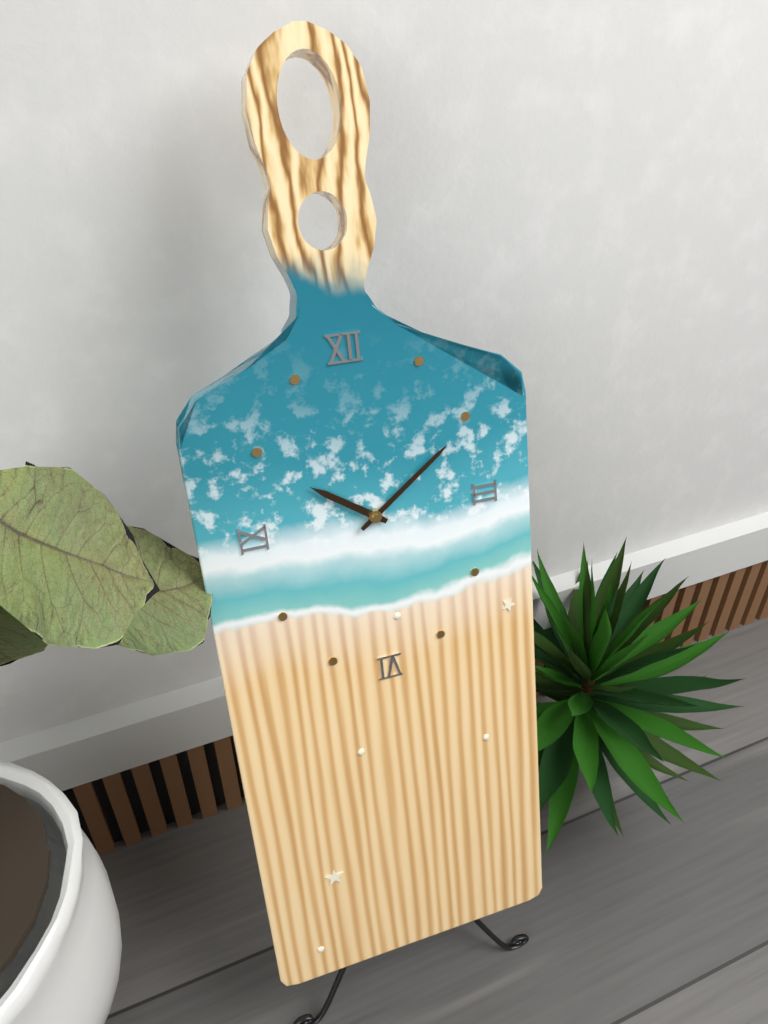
10:09
